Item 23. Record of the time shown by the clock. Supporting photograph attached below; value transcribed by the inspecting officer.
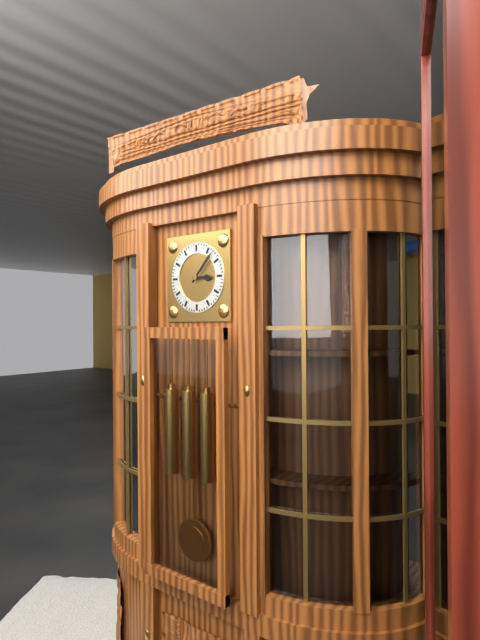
3:07
